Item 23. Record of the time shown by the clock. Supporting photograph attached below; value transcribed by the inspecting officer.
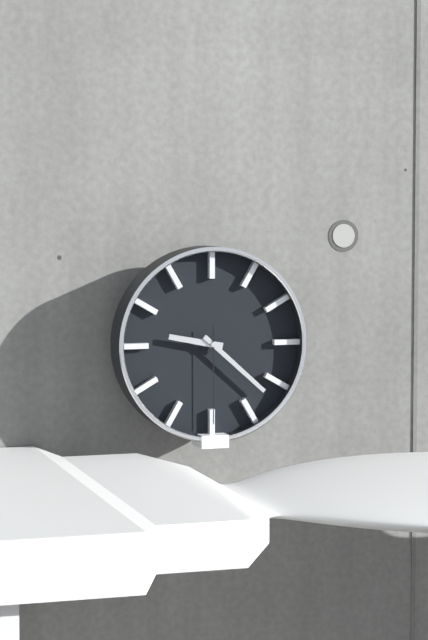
9:22:30
